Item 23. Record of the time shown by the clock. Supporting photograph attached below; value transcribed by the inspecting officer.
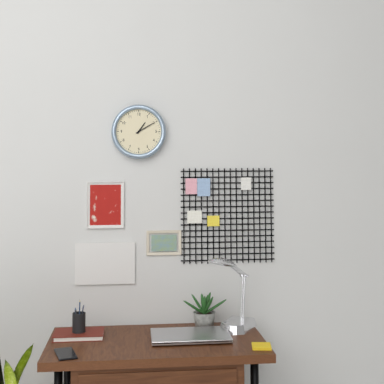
1:10
